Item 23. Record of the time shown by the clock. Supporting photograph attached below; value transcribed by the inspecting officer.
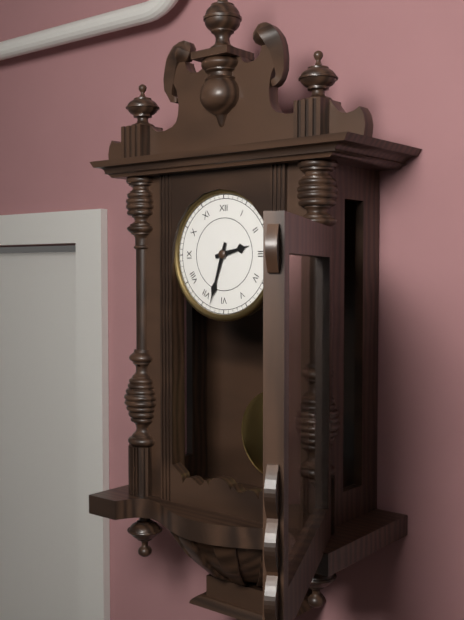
2:33
